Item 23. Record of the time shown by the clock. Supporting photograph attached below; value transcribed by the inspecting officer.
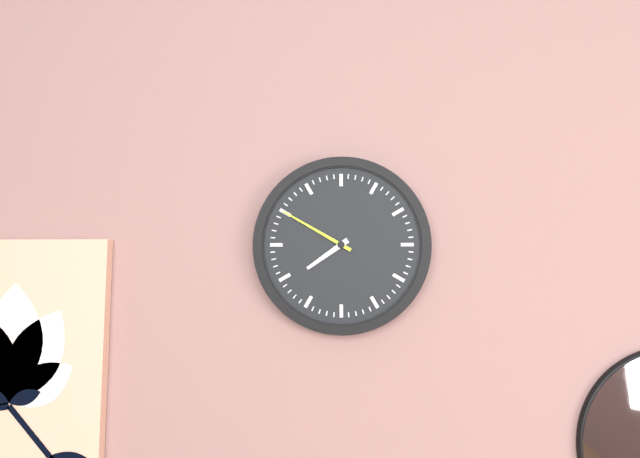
7:50
